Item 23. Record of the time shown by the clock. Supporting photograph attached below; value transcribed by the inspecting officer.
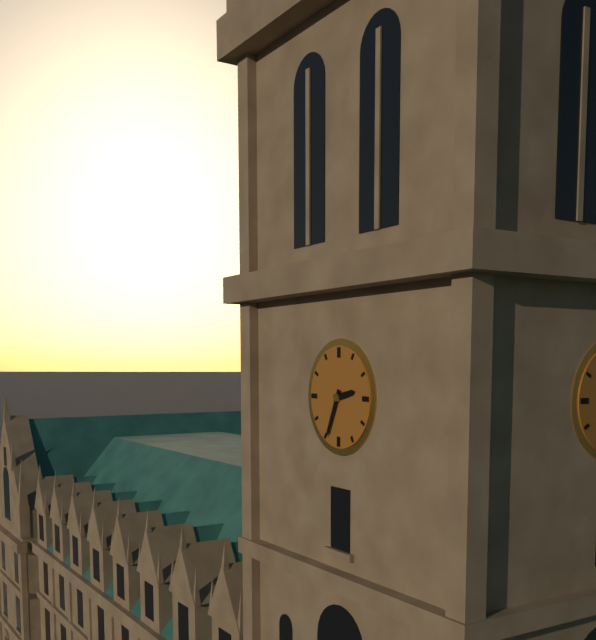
2:34
